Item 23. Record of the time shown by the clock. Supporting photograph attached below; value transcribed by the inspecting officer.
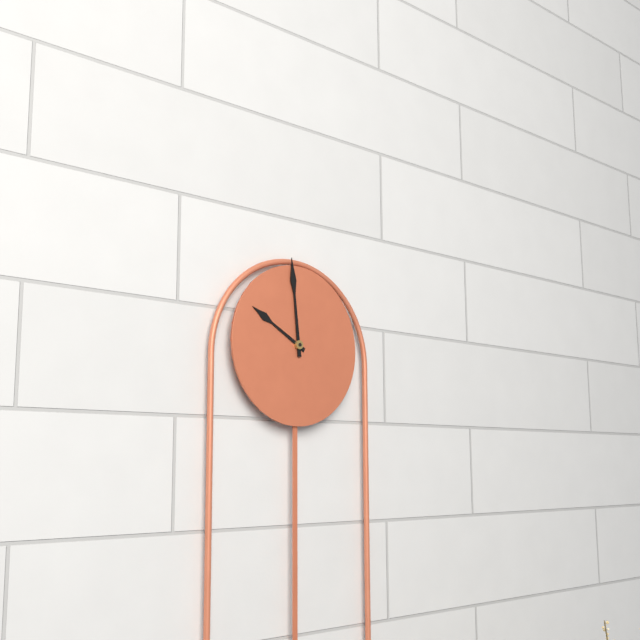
9:59
